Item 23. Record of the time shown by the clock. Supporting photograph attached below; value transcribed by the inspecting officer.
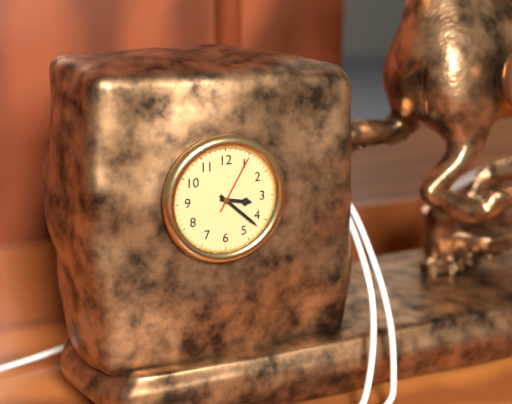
3:22:05
